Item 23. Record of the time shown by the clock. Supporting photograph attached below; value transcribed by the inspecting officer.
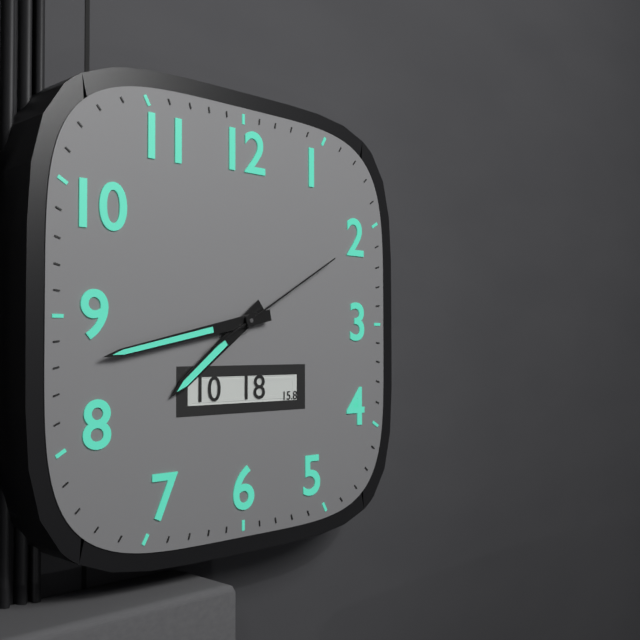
7:43:10
